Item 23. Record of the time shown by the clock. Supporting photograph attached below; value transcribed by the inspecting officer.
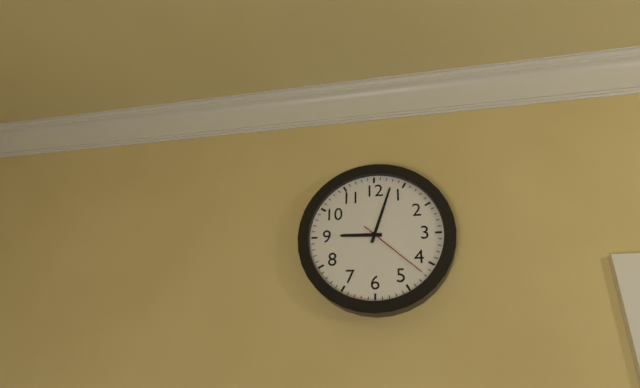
9:03:22
